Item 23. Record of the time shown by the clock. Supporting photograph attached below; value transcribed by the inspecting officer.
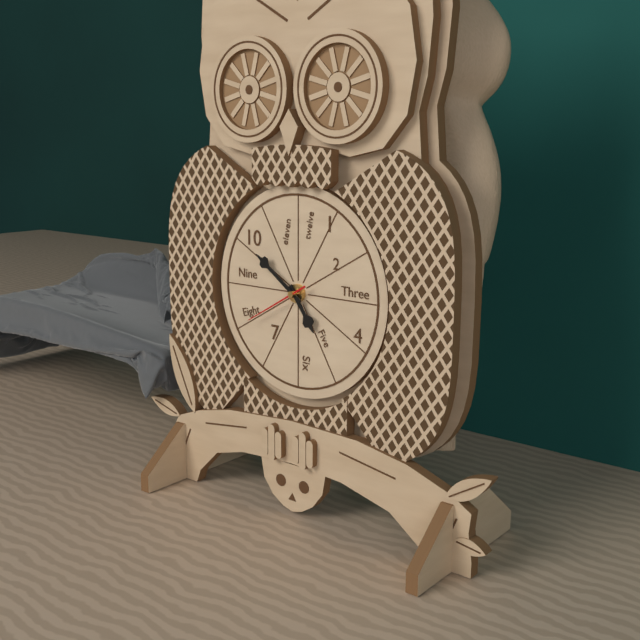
4:51:40
